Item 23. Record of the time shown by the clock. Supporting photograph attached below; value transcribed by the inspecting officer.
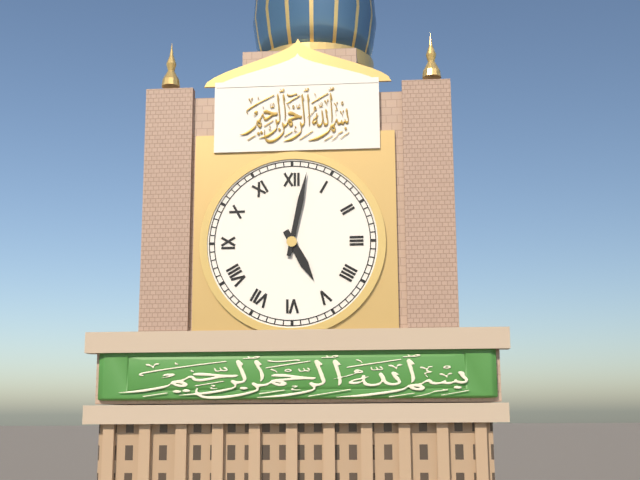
5:02
